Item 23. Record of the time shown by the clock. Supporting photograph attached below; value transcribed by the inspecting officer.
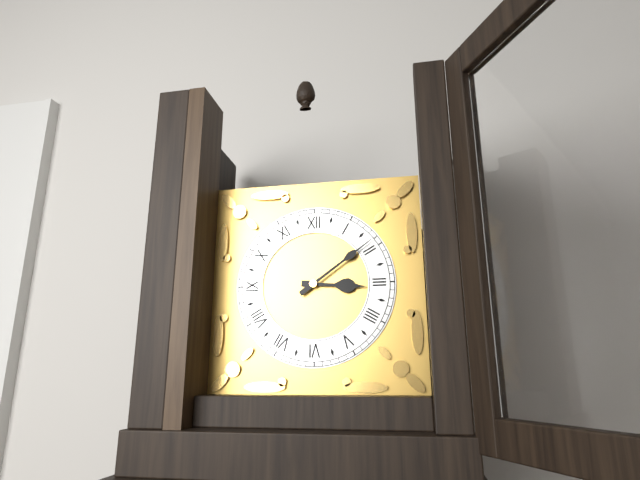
3:09
